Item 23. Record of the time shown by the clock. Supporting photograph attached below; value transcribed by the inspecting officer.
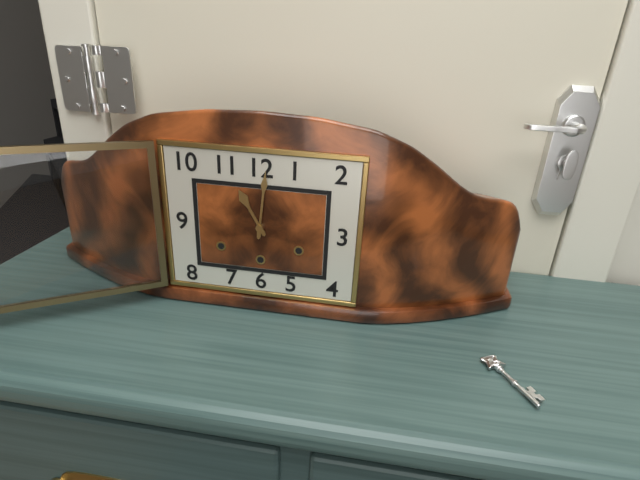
11:01
